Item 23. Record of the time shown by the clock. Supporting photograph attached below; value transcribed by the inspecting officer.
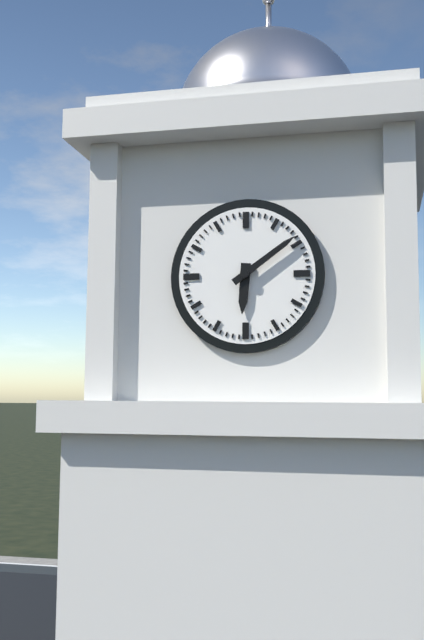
6:09
